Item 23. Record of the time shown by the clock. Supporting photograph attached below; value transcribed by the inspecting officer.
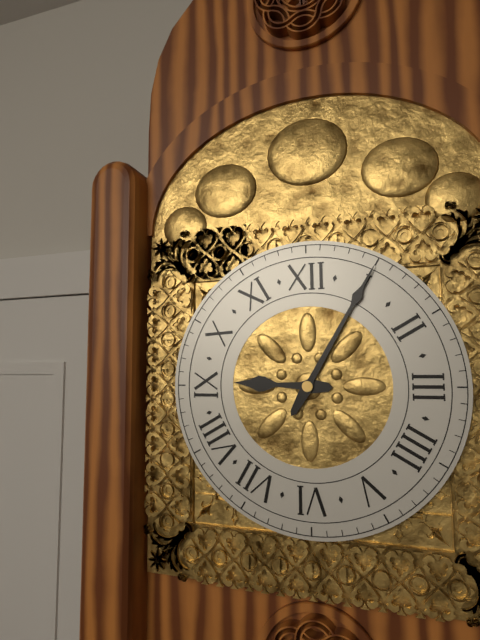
9:05
